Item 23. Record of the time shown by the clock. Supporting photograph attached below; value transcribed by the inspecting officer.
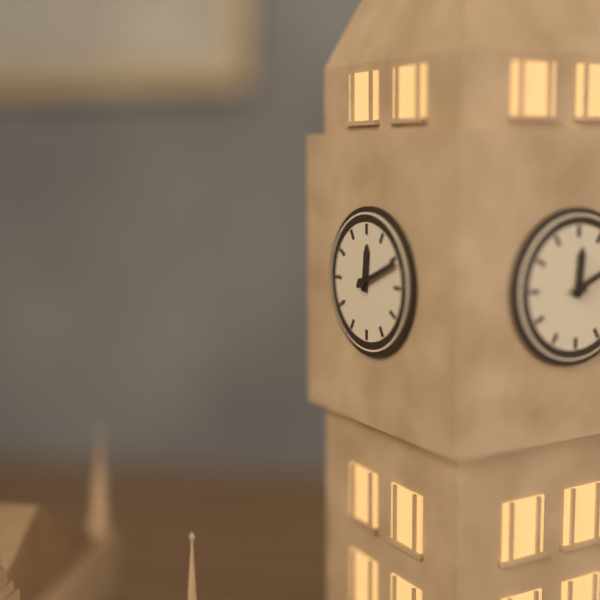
12:11
